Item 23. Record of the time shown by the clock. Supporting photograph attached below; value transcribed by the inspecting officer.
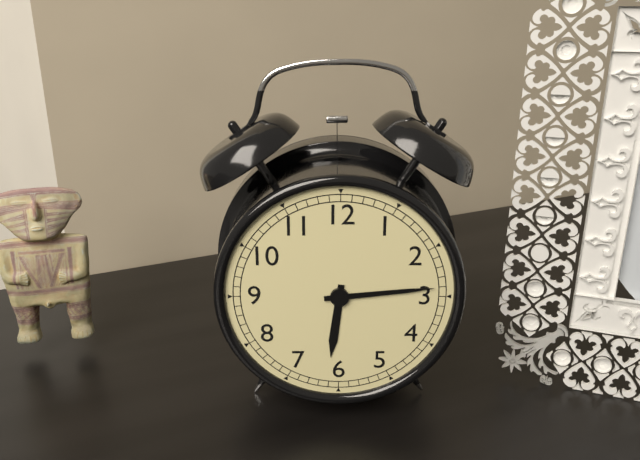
6:14
